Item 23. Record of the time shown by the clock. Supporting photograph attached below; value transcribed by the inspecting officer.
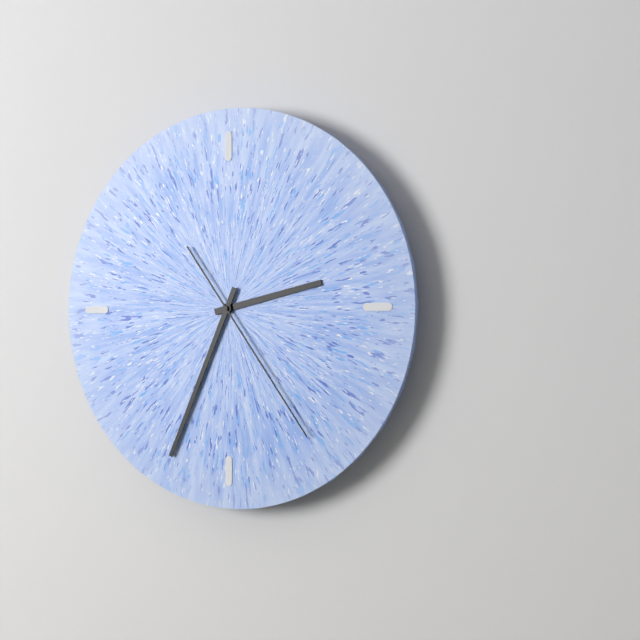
2:34:24
